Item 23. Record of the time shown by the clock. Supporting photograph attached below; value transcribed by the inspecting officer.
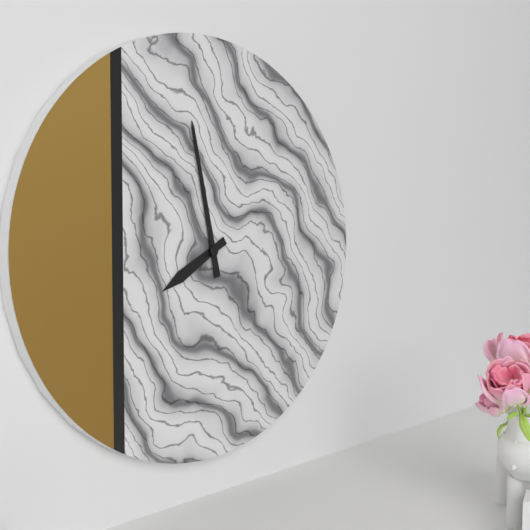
7:58
